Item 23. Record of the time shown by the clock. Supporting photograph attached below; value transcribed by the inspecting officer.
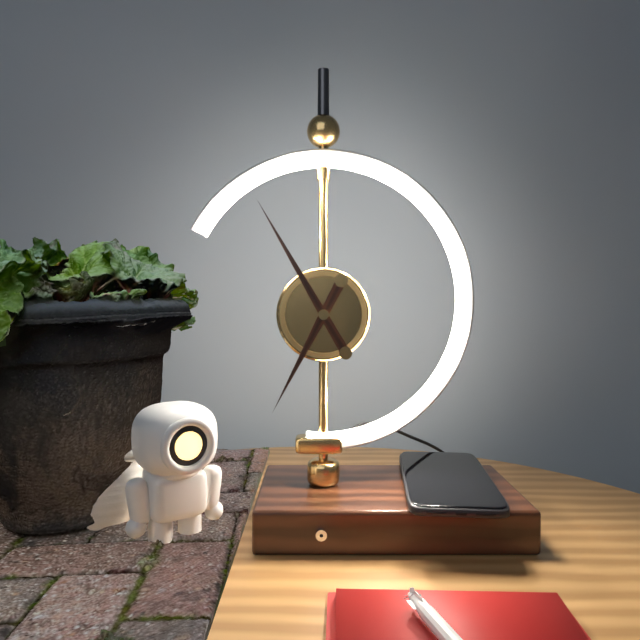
6:55
